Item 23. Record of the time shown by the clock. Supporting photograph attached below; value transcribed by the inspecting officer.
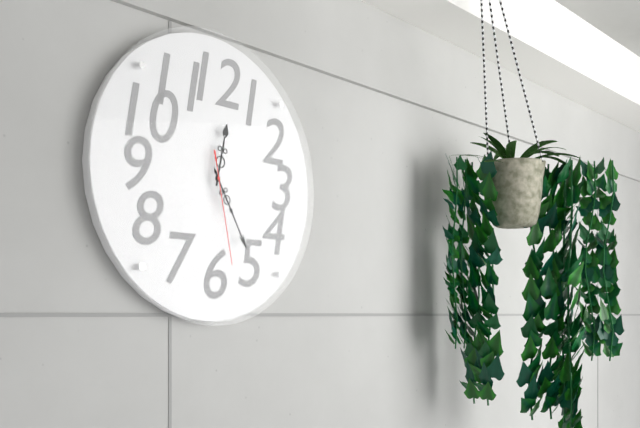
12:25:28
